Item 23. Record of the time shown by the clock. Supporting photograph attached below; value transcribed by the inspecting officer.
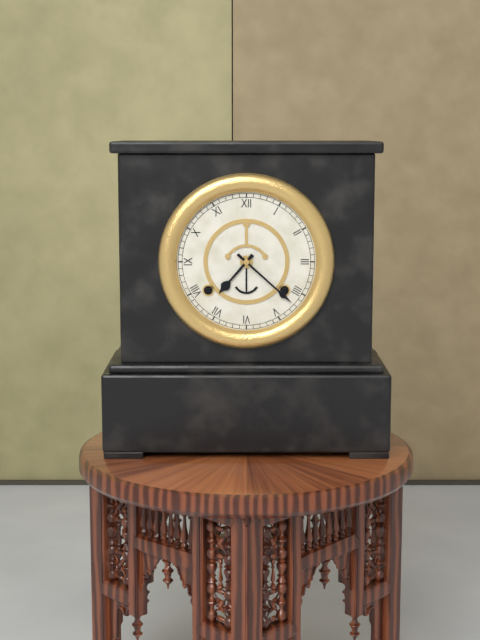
7:22
